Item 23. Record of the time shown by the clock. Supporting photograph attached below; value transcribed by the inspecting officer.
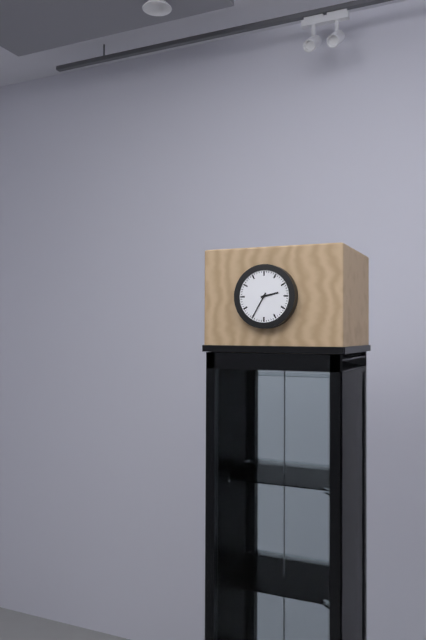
2:35
